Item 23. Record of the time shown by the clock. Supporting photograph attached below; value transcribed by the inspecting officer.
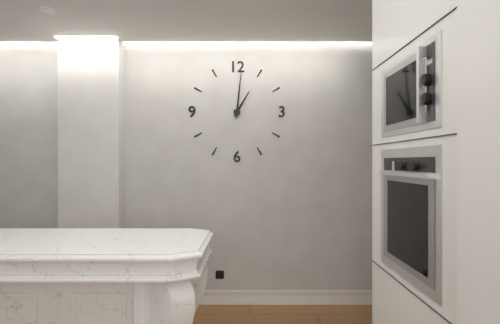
1:01
